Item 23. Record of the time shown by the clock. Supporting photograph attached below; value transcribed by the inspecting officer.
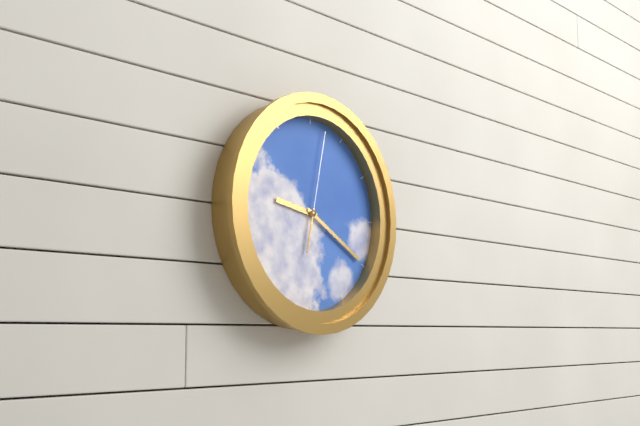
9:20:02
